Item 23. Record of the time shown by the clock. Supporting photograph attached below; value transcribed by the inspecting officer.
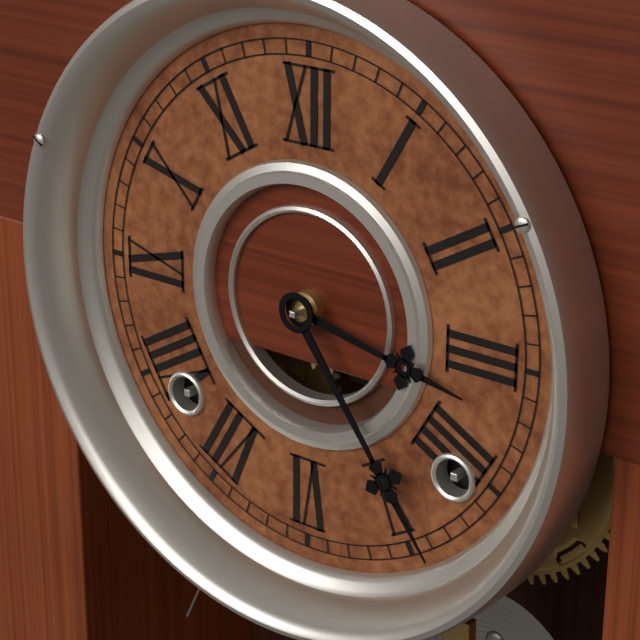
3:24
